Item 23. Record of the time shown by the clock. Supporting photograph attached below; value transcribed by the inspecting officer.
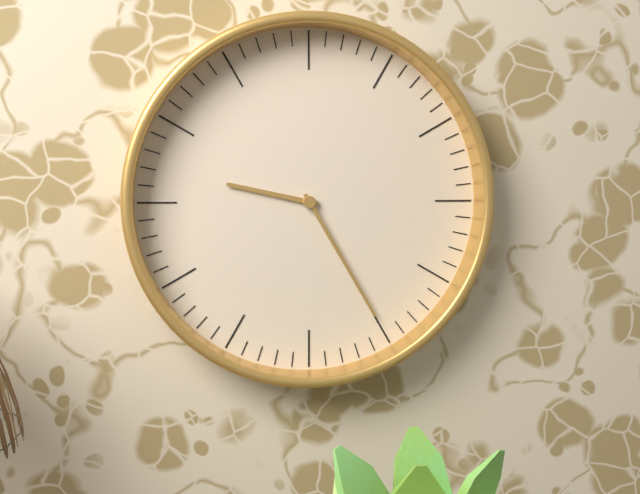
9:25
